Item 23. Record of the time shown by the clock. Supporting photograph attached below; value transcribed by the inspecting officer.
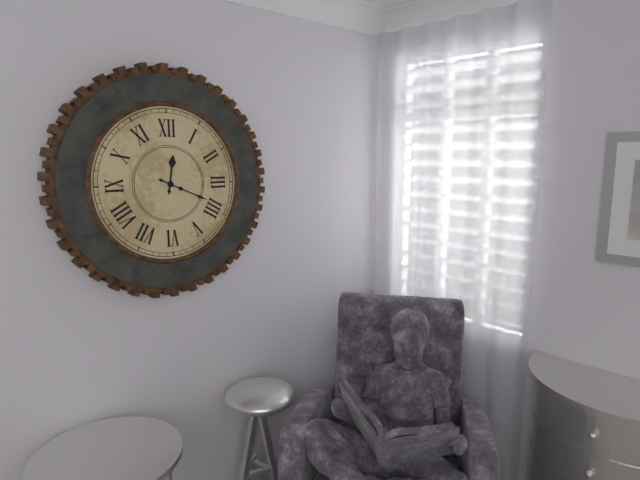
12:19
